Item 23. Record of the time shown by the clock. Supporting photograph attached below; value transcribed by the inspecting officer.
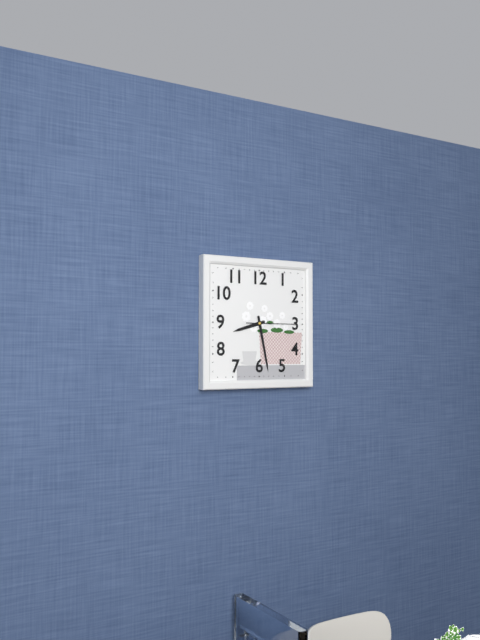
8:28
